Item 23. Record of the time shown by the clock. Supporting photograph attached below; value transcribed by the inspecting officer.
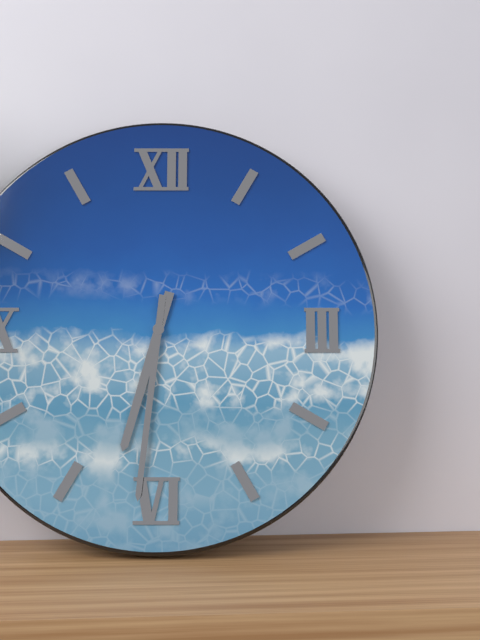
6:31
